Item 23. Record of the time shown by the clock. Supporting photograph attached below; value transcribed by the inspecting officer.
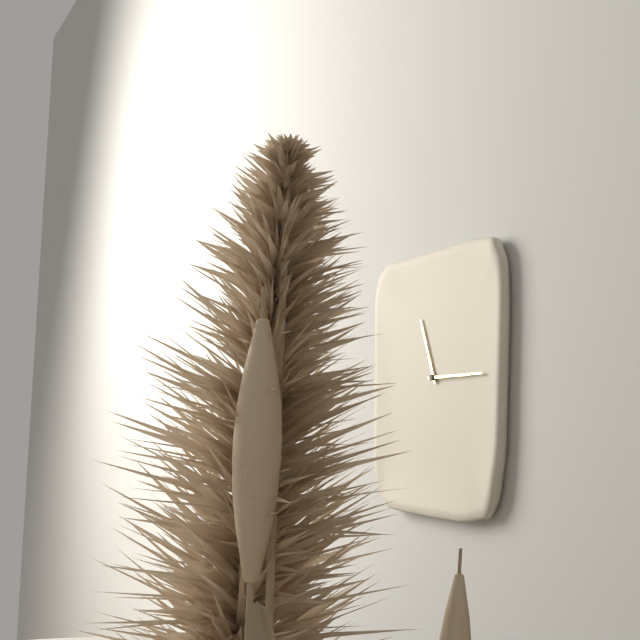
11:15
